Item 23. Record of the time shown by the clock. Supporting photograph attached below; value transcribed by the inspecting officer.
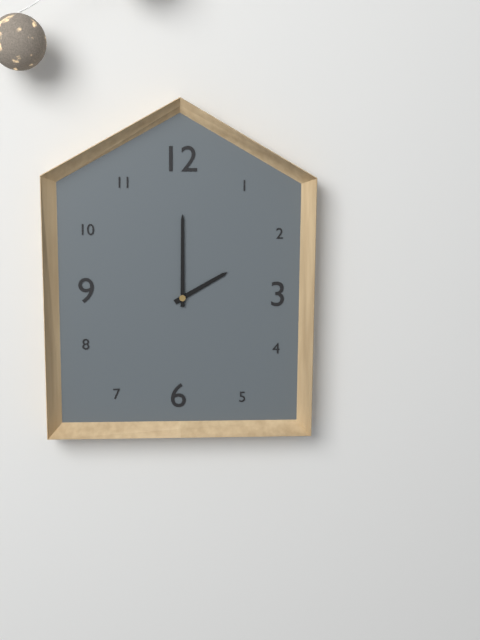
2:00
